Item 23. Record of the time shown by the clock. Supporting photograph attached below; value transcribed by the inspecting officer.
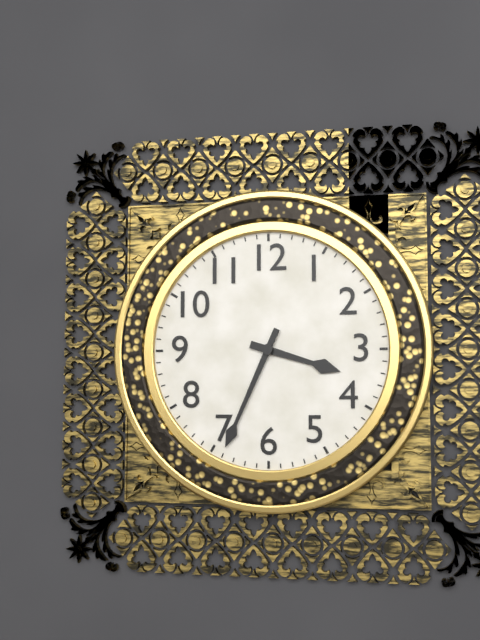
3:34
